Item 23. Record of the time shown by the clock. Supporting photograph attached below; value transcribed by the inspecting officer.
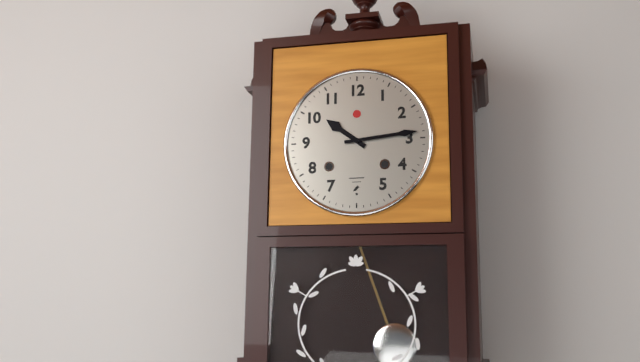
10:14
